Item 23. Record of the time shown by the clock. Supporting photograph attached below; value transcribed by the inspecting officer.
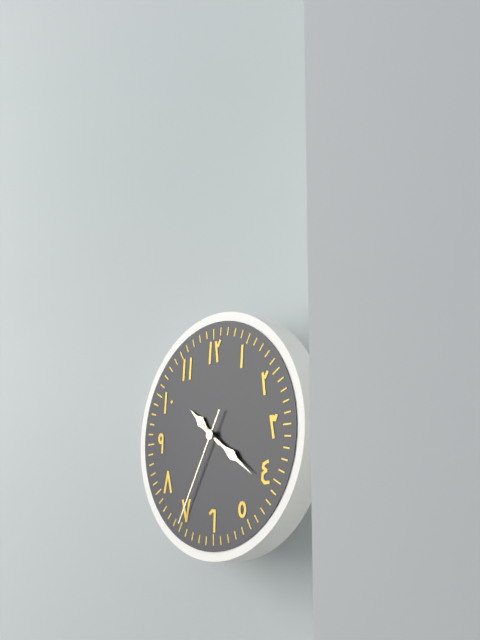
10:21:35
